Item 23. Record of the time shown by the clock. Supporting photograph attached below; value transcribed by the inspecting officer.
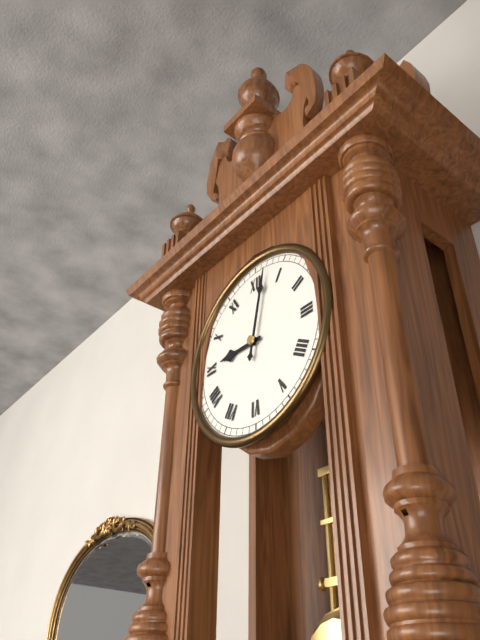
9:02
